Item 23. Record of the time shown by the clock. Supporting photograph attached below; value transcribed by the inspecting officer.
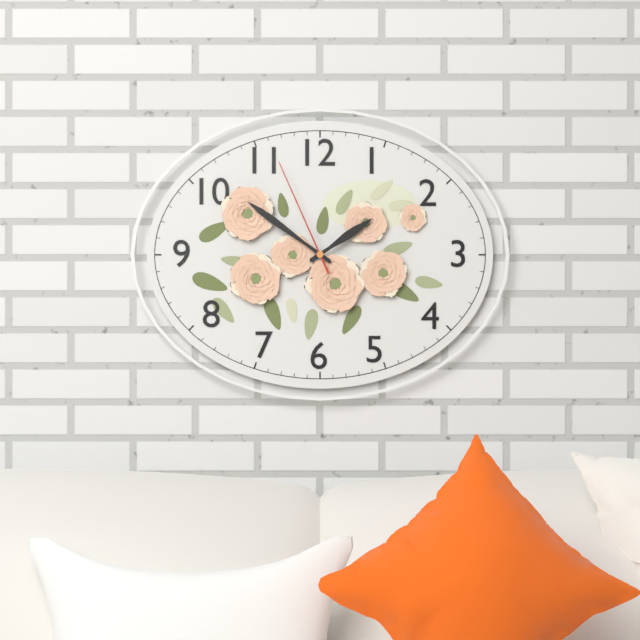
1:51:56
